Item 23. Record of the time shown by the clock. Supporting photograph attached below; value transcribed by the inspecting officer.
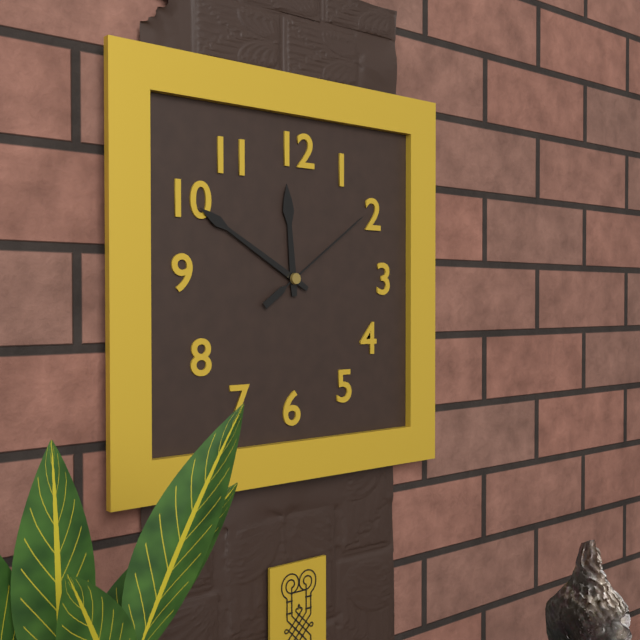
11:50:09
